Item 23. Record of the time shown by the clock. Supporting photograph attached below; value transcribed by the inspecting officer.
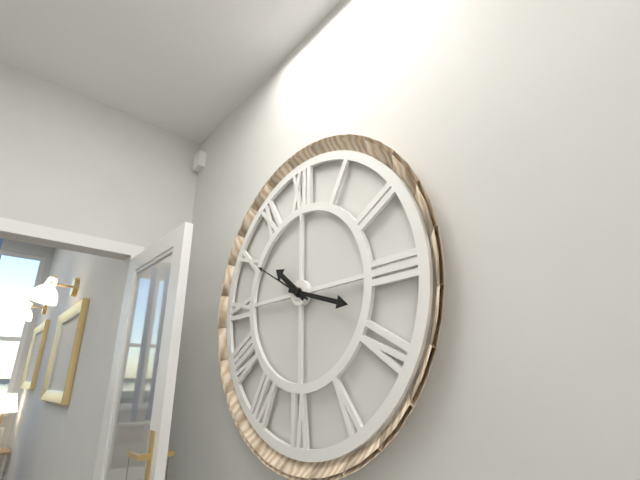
10:18:50
